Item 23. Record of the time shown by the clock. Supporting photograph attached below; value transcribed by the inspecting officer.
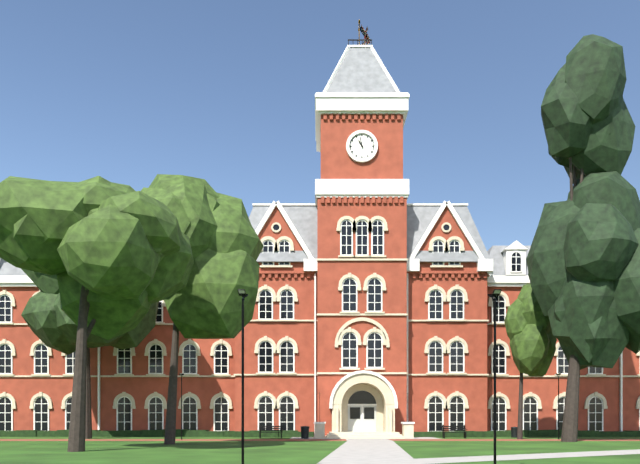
10:58
